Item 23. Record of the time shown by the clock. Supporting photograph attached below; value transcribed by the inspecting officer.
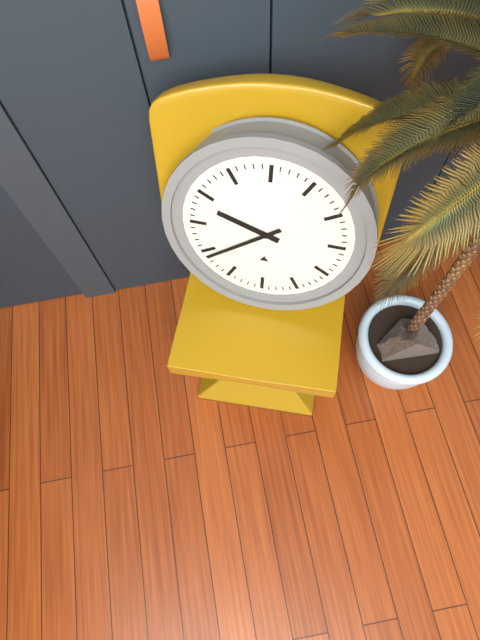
9:39
